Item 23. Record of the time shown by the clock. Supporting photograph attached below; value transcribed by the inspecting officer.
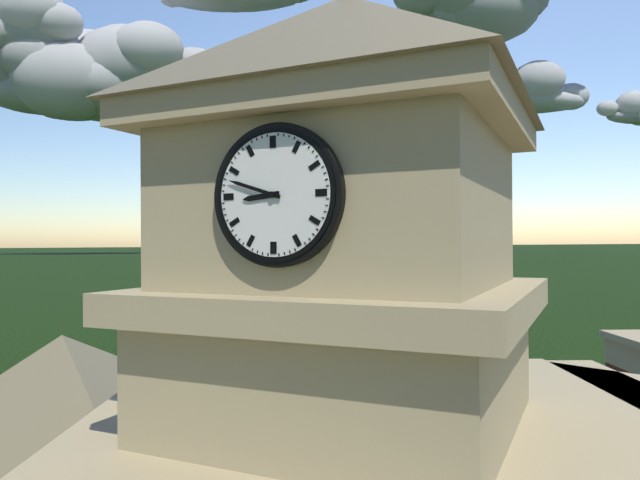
8:48
